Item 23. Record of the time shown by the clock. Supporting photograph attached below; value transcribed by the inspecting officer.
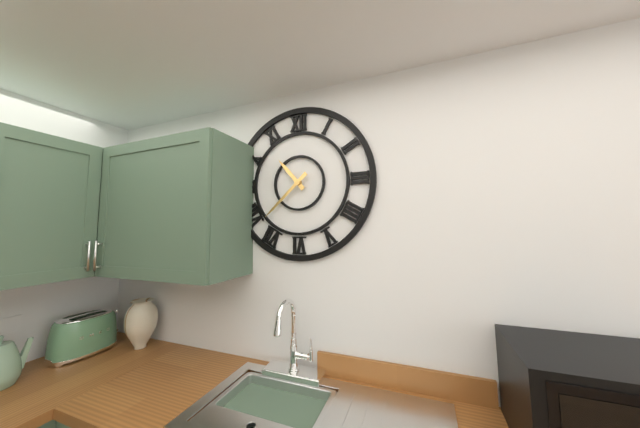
10:38
